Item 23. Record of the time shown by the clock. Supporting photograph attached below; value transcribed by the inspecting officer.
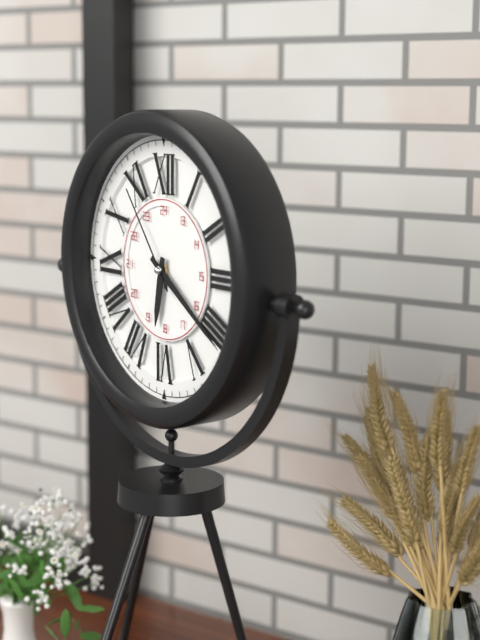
6:21:54
